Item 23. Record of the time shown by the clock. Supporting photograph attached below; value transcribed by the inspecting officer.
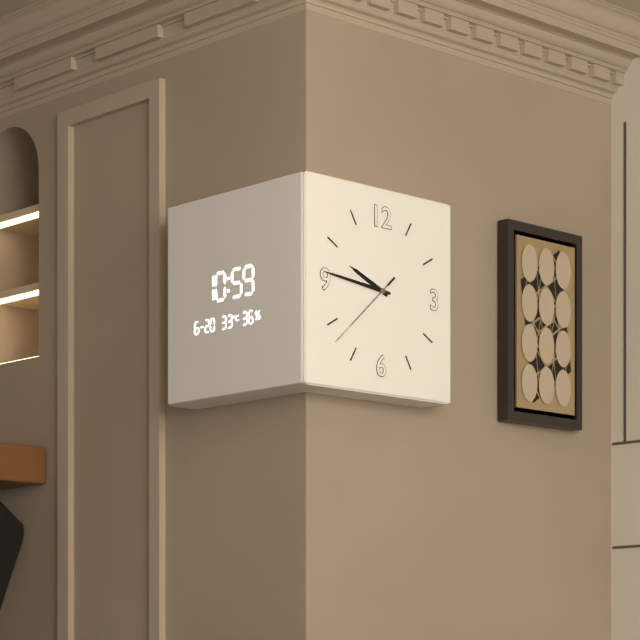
9:46:38
